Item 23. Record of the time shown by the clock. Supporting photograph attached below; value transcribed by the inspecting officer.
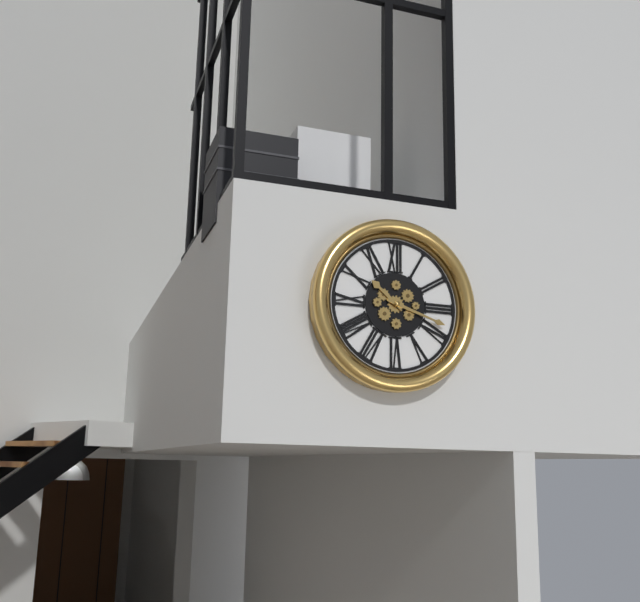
10:18
